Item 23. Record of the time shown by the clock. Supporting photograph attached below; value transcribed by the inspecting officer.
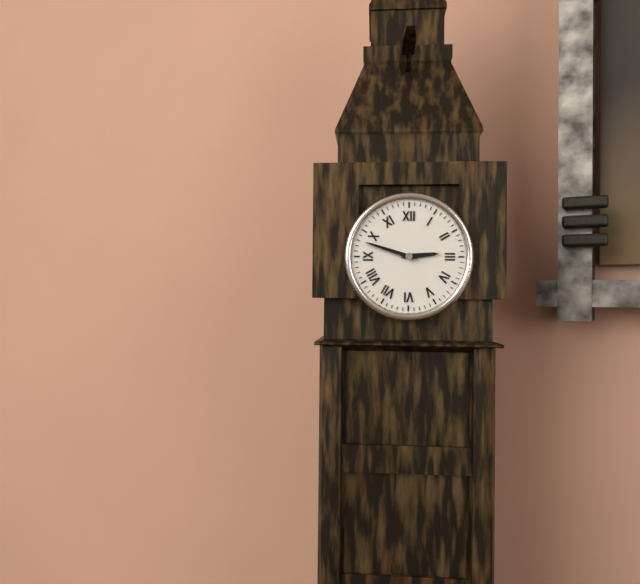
2:48
